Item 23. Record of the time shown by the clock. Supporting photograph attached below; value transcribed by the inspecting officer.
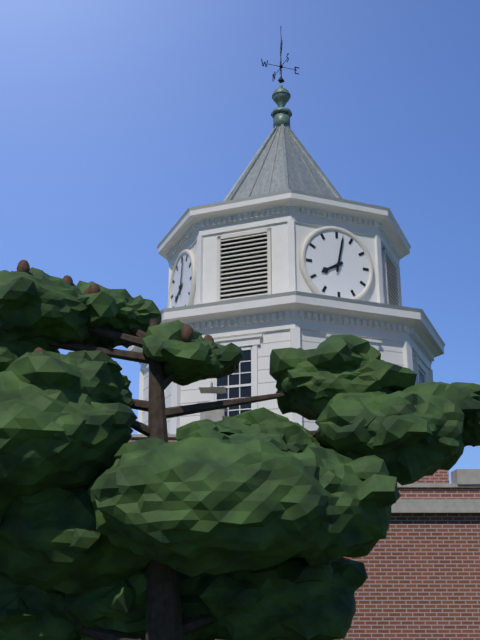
8:02
